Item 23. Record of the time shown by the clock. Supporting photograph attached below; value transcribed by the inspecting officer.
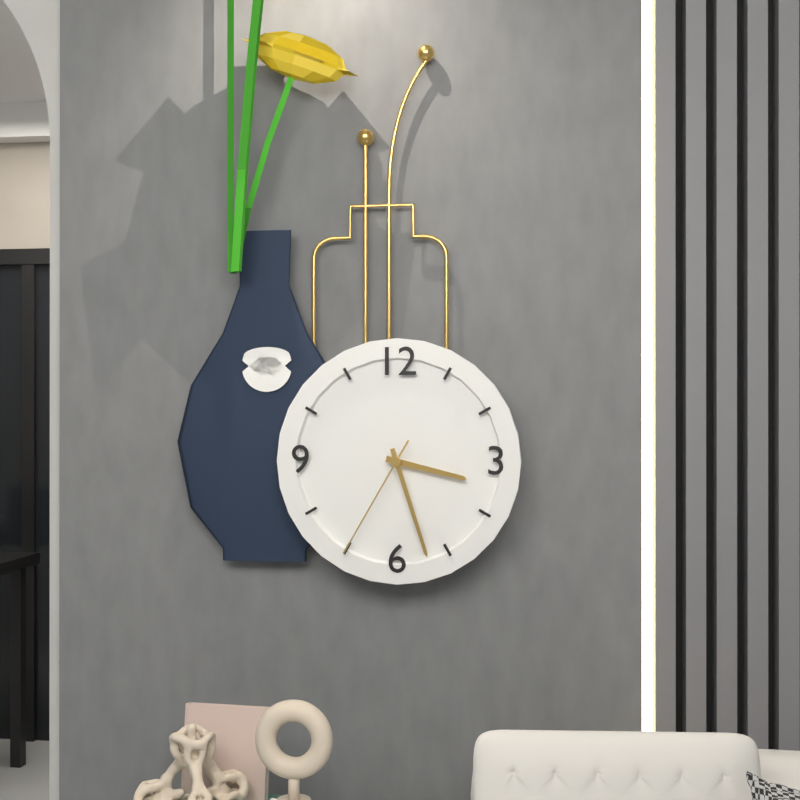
3:27:35
